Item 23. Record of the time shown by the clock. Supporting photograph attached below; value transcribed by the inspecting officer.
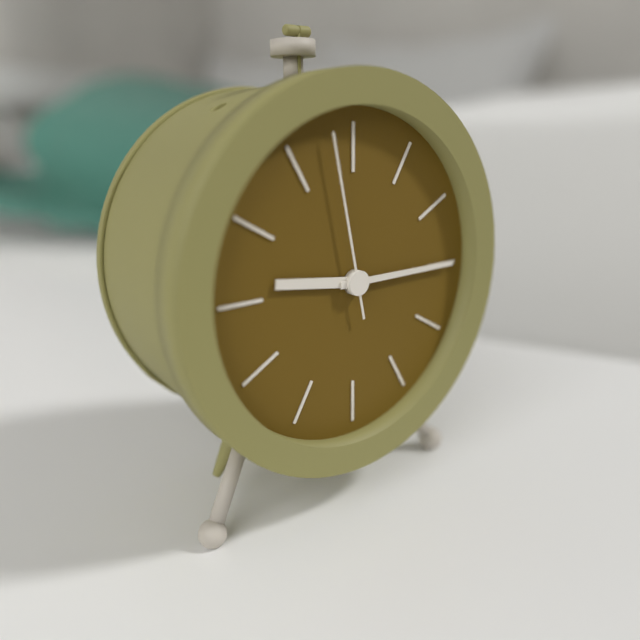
9:15:58
